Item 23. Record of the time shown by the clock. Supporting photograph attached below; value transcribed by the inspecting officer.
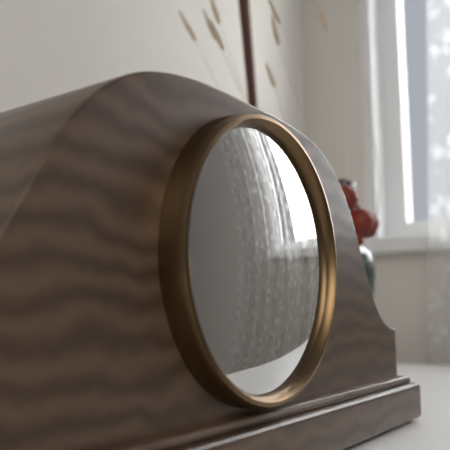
9:41
